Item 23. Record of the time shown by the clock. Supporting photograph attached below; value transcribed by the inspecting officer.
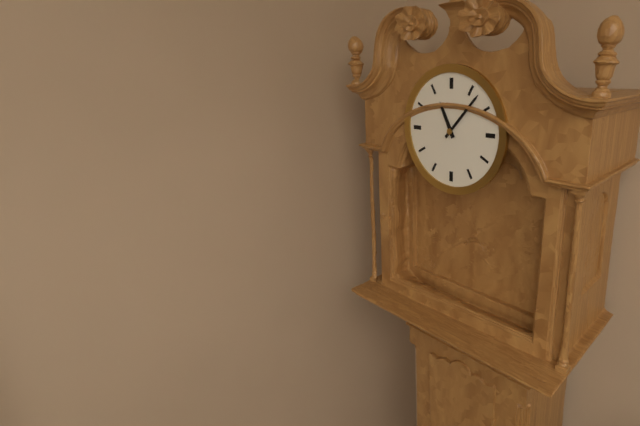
11:07
